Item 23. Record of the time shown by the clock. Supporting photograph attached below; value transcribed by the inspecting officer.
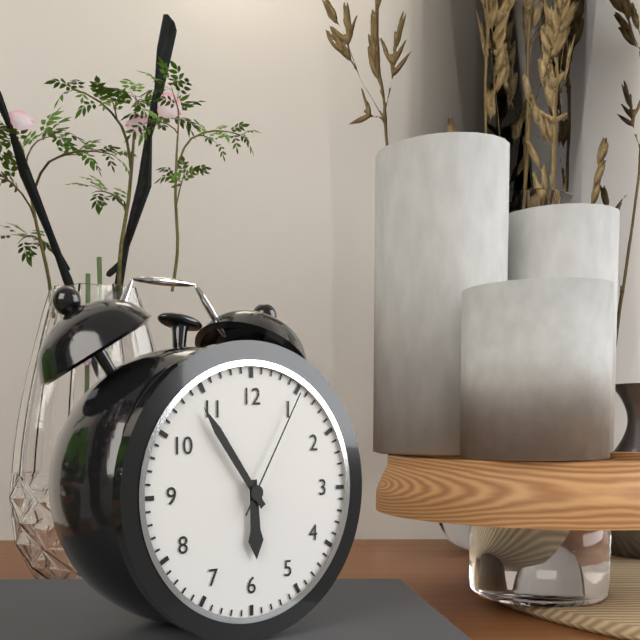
5:54:05
